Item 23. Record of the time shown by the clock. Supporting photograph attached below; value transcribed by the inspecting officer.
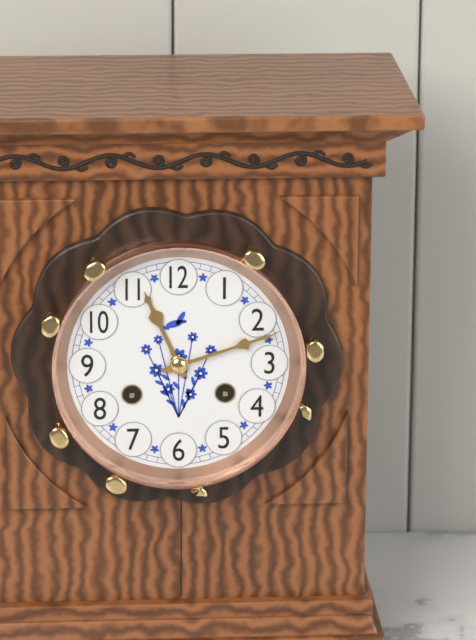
11:12
